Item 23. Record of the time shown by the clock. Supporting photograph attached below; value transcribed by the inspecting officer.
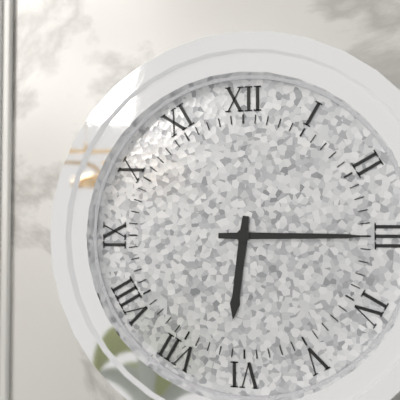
6:15
